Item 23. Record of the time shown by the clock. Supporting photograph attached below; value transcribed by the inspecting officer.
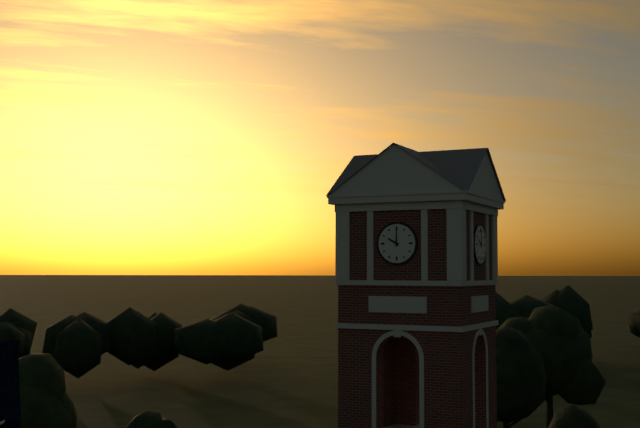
10:00
